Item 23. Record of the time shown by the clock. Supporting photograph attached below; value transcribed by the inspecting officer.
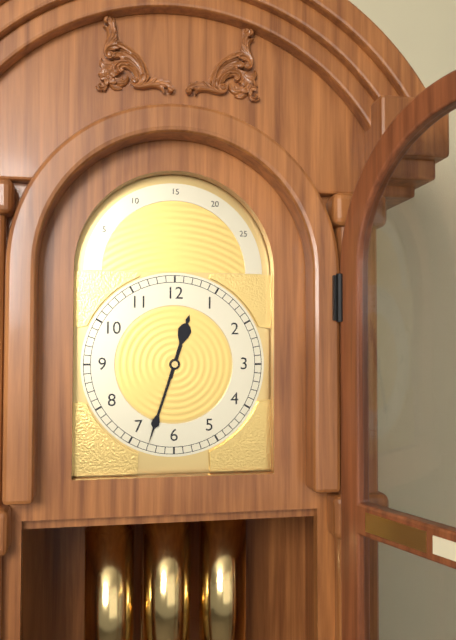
12:33
